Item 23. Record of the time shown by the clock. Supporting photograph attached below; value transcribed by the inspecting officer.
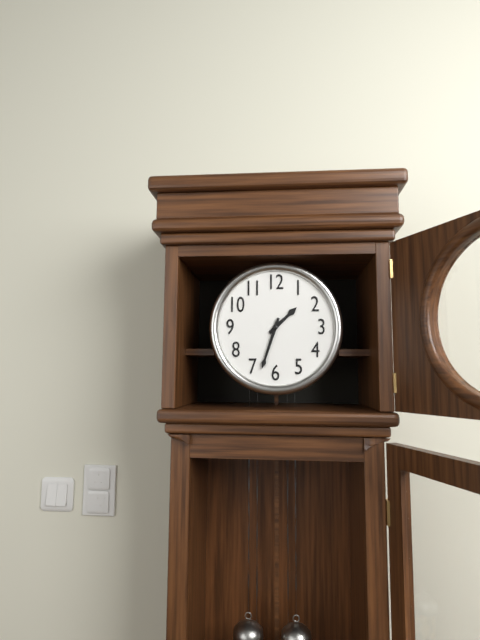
1:33
